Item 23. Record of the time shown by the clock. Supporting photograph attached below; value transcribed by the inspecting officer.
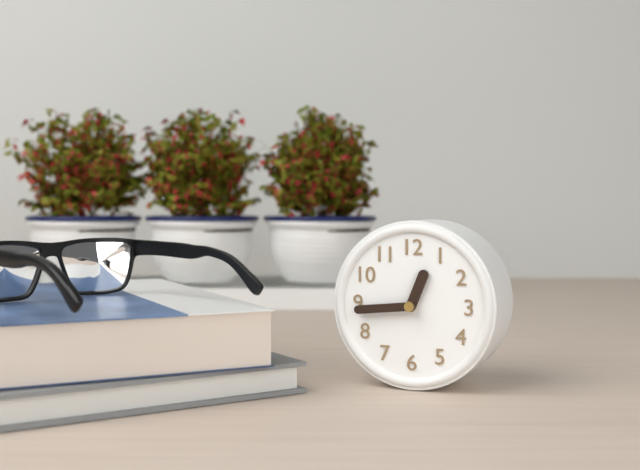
12:44
